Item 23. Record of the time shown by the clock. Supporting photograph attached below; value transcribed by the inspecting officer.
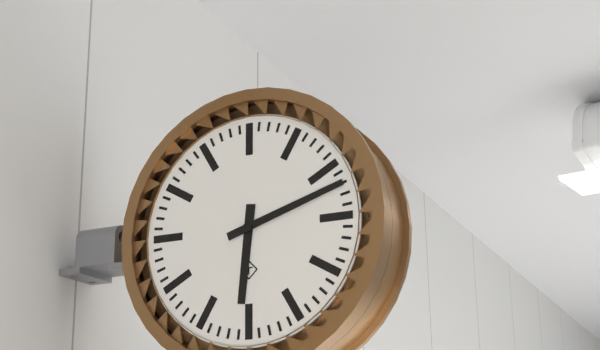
6:12
